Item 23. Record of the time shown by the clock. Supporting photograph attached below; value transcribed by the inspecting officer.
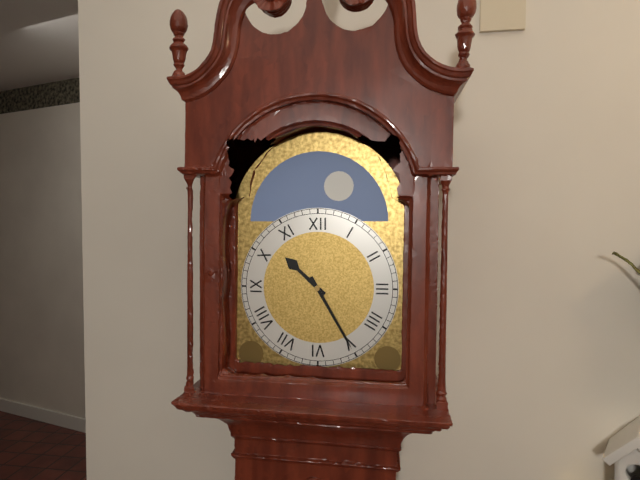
10:25
